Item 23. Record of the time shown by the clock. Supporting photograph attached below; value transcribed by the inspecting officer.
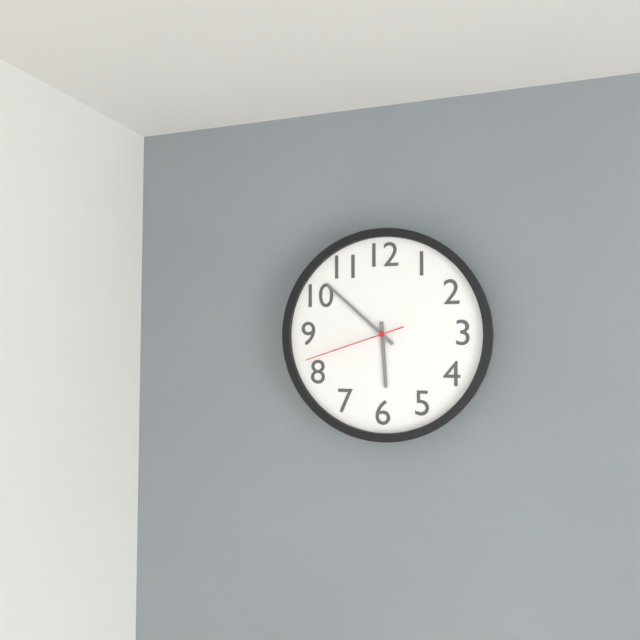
5:52:42
